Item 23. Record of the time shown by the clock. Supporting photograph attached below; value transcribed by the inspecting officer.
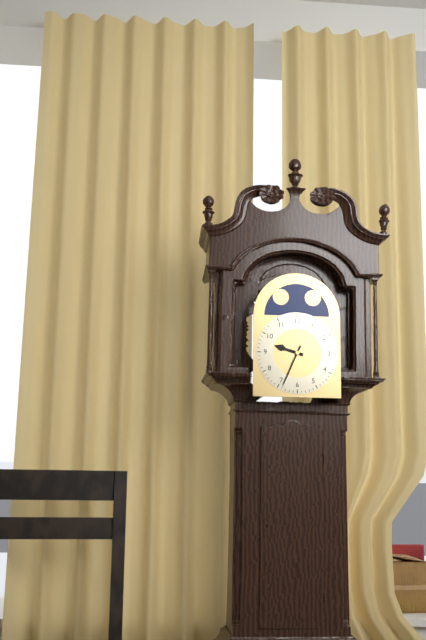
9:34
